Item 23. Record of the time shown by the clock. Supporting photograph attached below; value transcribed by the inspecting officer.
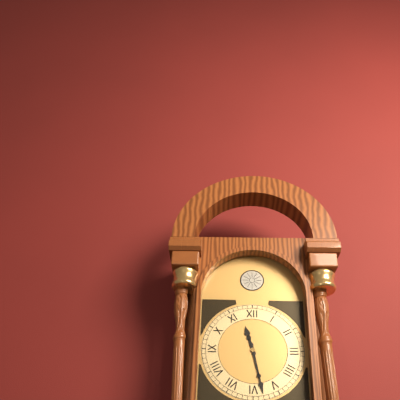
11:28
